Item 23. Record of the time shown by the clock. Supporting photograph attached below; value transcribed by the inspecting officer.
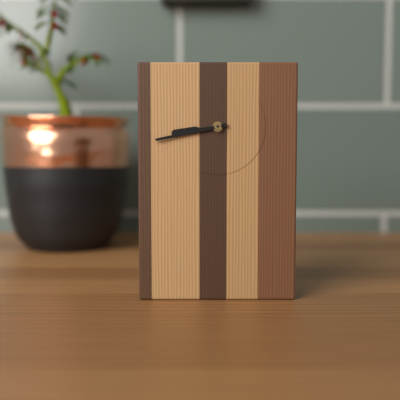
8:43
